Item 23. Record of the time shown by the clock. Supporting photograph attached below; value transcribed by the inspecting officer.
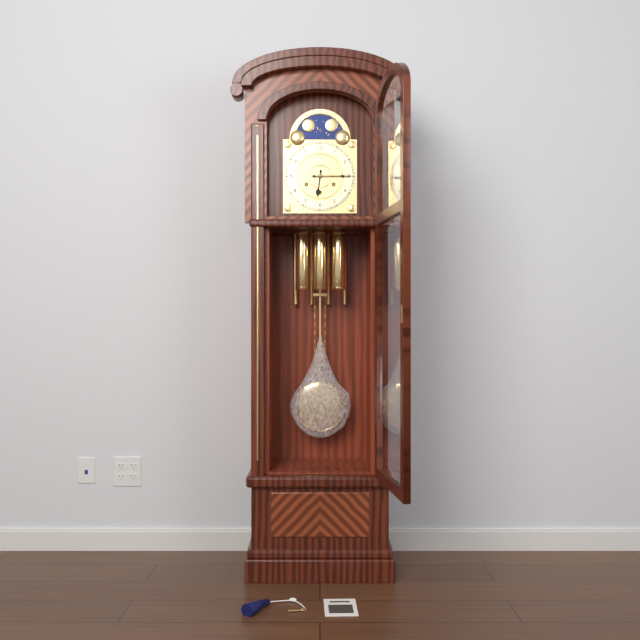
6:15
